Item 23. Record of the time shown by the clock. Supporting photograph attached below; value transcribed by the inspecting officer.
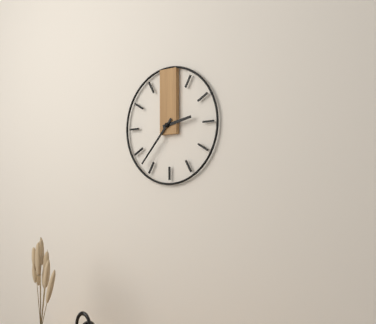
2:37
